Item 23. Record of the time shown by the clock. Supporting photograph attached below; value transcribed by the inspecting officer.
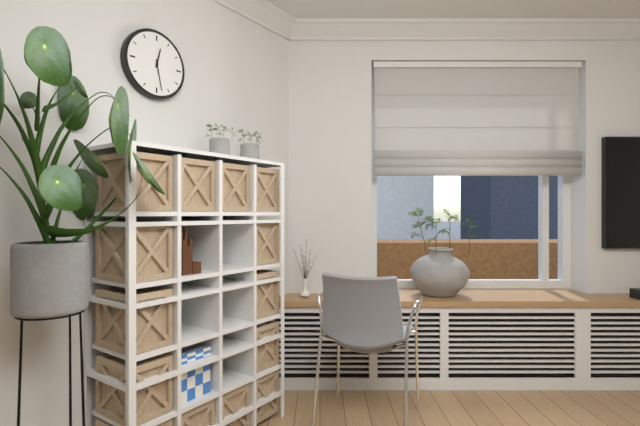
12:28
